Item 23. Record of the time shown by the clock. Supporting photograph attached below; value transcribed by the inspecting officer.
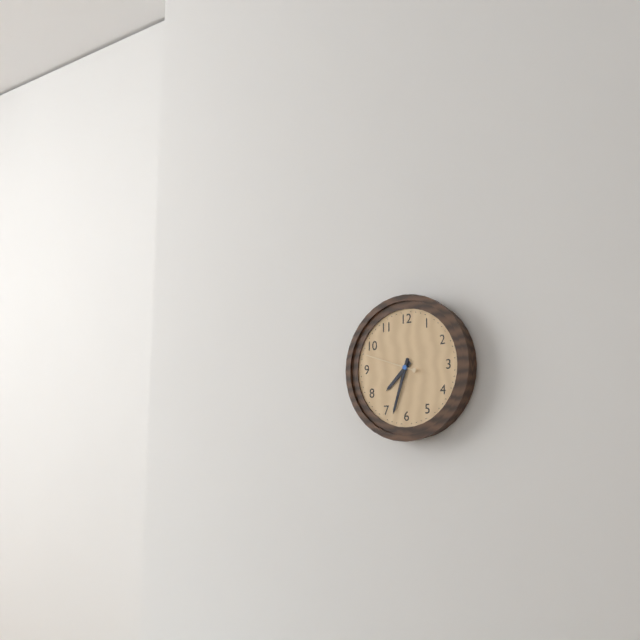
7:33:48
